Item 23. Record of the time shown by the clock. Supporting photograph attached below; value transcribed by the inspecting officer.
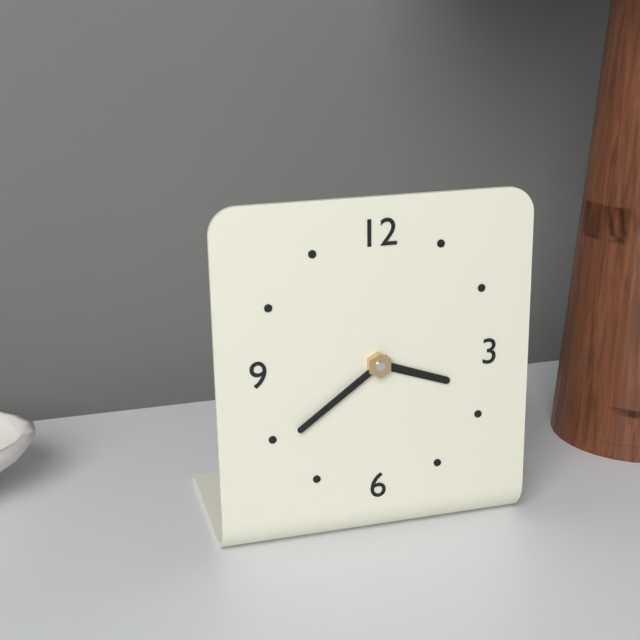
3:39
